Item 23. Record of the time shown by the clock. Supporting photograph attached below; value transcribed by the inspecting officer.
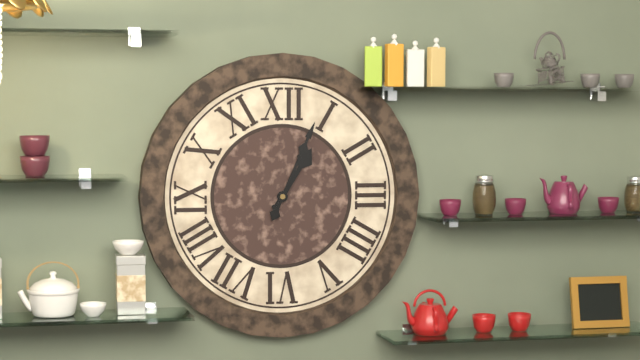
1:04
